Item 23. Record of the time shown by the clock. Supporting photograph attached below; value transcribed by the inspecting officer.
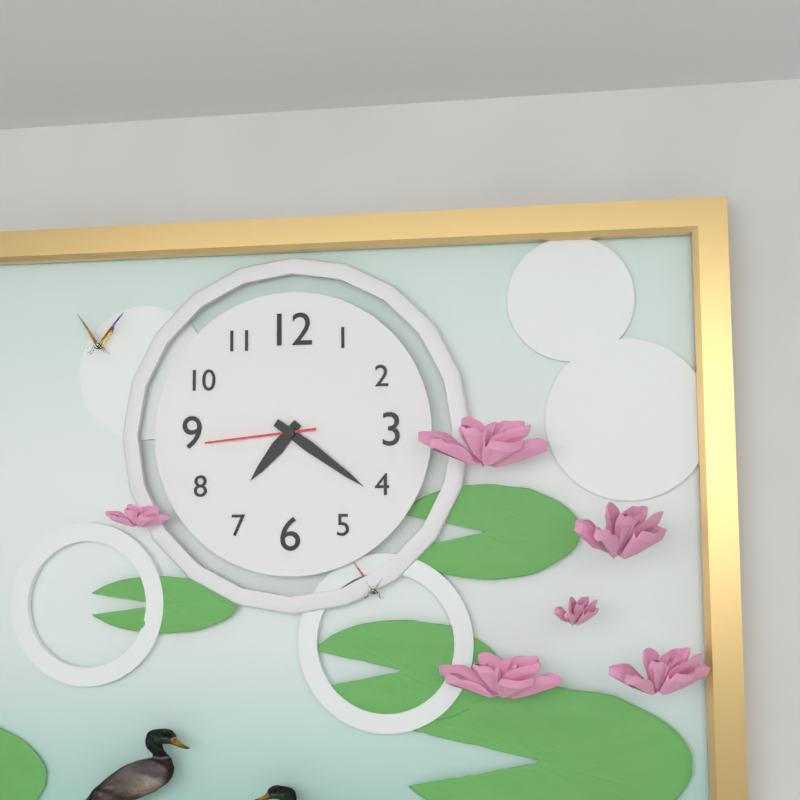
7:21:44
